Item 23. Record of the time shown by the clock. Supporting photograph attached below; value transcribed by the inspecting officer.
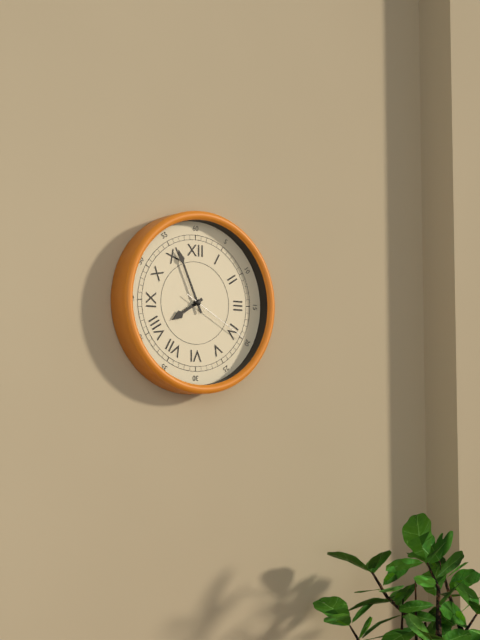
7:56:20
